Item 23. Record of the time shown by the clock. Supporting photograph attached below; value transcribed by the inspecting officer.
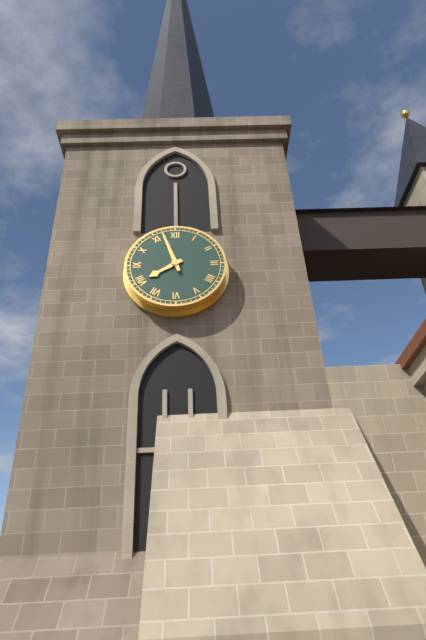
7:57
